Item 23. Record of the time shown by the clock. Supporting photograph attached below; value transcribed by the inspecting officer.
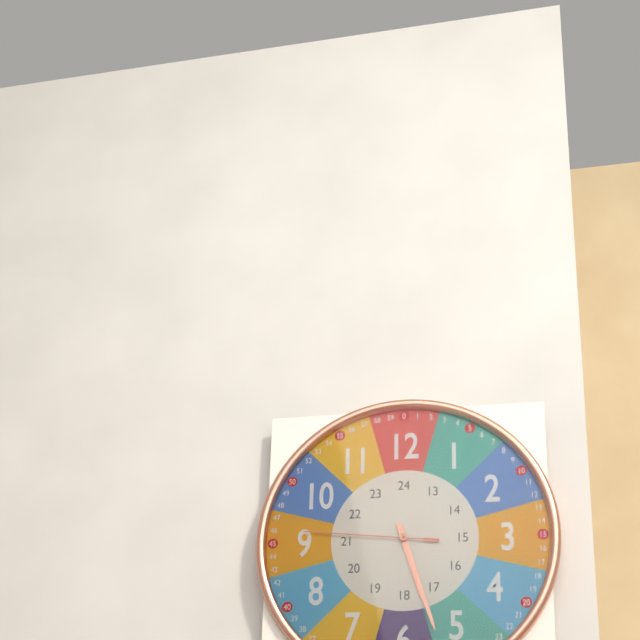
5:27:46
